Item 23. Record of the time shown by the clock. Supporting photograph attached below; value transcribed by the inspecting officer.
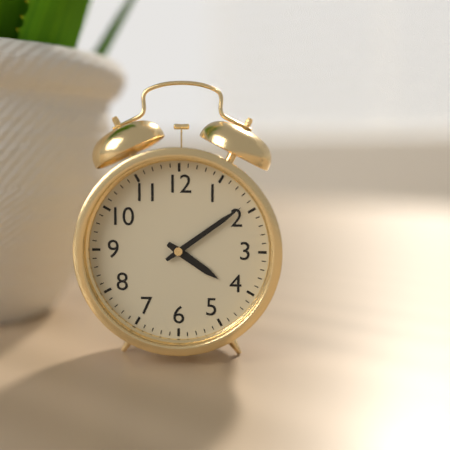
4:09
